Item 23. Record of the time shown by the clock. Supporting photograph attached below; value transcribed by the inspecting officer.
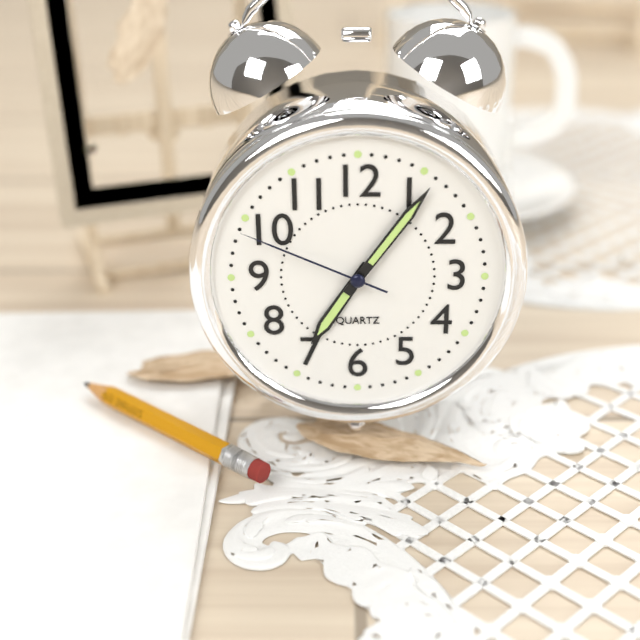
7:06:49
